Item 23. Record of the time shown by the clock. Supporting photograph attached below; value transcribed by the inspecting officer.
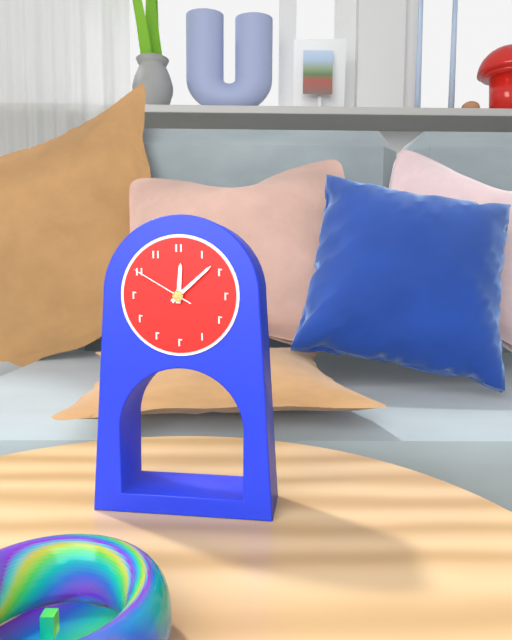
12:08:50
